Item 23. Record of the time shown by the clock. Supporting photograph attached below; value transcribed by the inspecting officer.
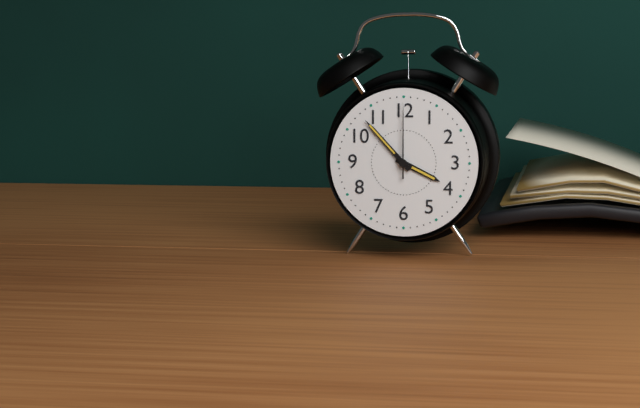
3:53:00
